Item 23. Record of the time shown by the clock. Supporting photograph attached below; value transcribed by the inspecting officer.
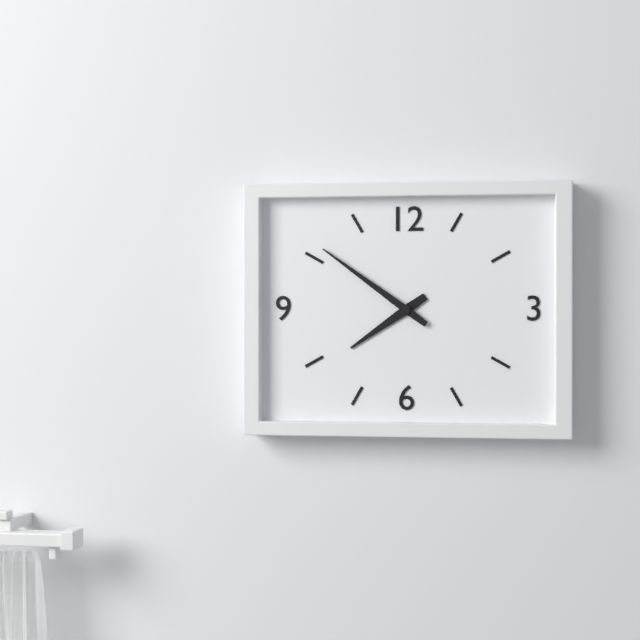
7:51
